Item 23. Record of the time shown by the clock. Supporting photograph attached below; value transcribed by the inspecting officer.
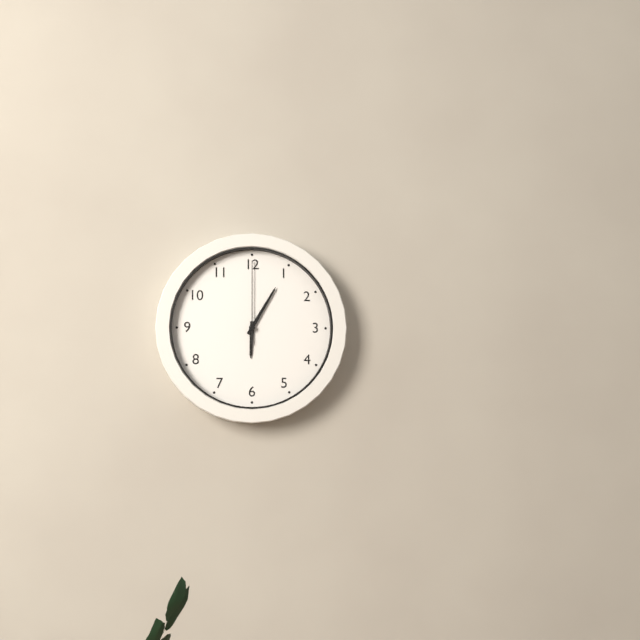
6:05:00
